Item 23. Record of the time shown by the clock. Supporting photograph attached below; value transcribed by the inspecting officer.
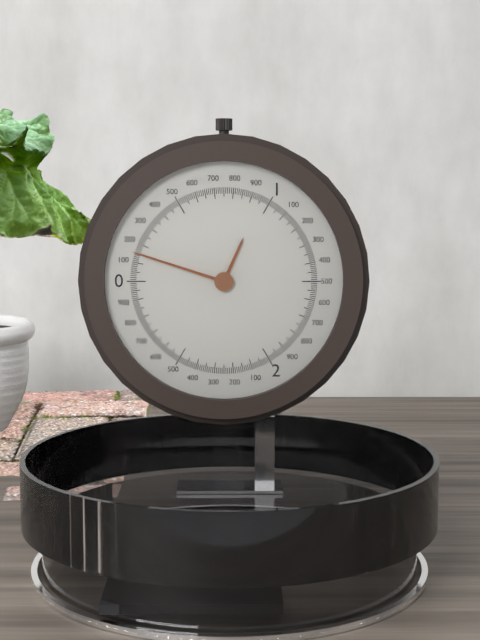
12:48
